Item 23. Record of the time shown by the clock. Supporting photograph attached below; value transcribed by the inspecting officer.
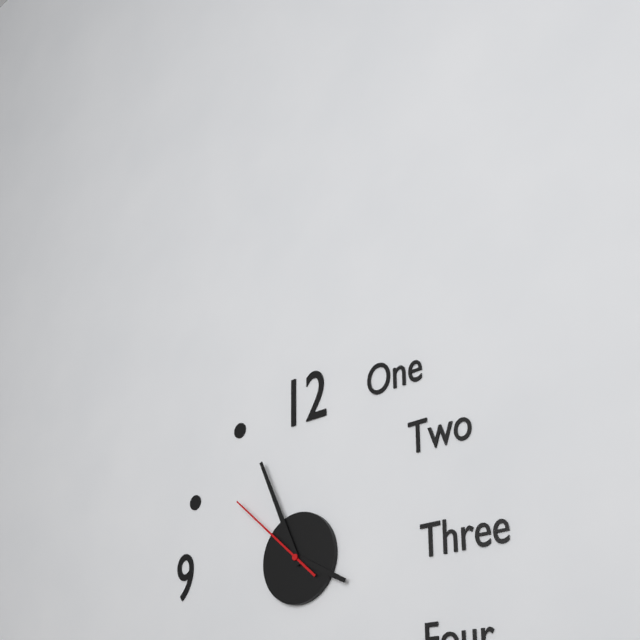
3:56:52
